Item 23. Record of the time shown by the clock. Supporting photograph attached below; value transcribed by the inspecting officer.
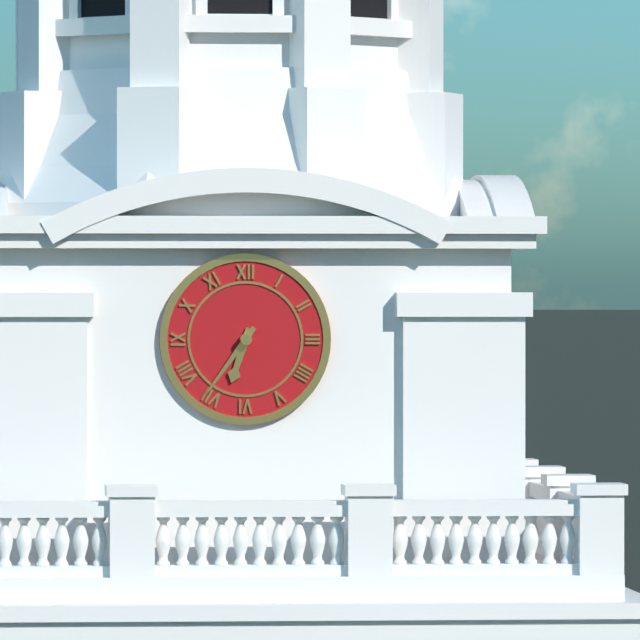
6:36
